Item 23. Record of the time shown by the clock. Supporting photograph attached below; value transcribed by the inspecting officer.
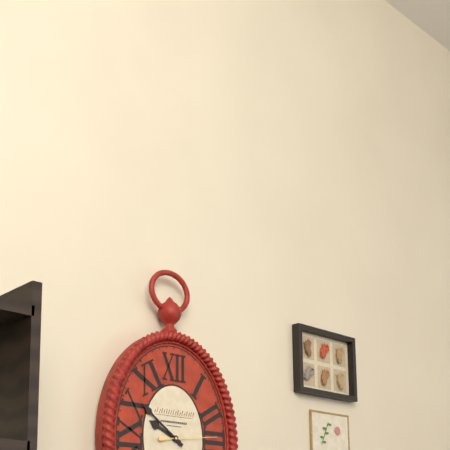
9:51:14
